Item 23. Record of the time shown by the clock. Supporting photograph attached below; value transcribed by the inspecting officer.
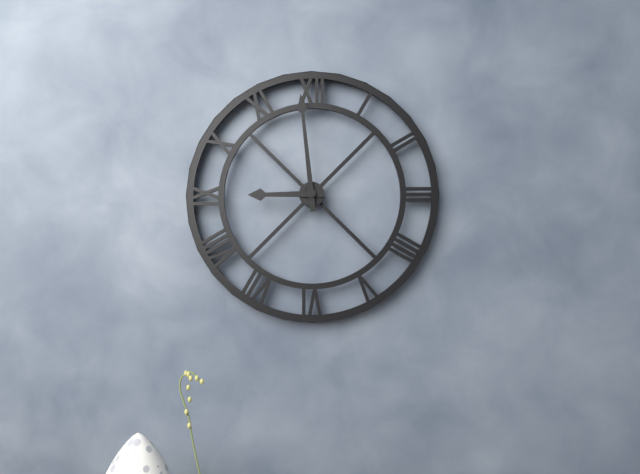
8:59
